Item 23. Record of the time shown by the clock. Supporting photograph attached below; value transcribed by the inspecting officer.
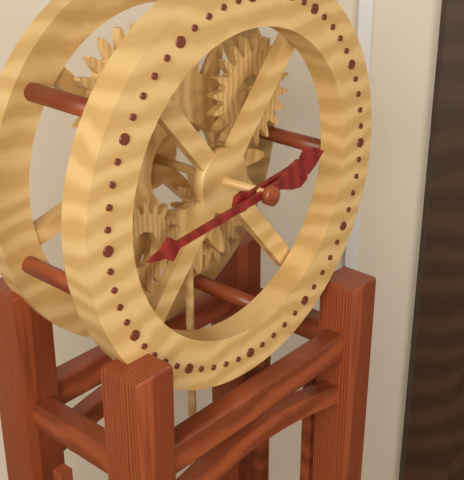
2:44
